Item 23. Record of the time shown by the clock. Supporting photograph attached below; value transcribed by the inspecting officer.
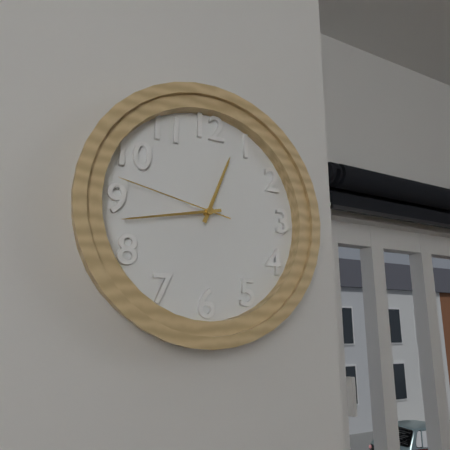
12:43:47
